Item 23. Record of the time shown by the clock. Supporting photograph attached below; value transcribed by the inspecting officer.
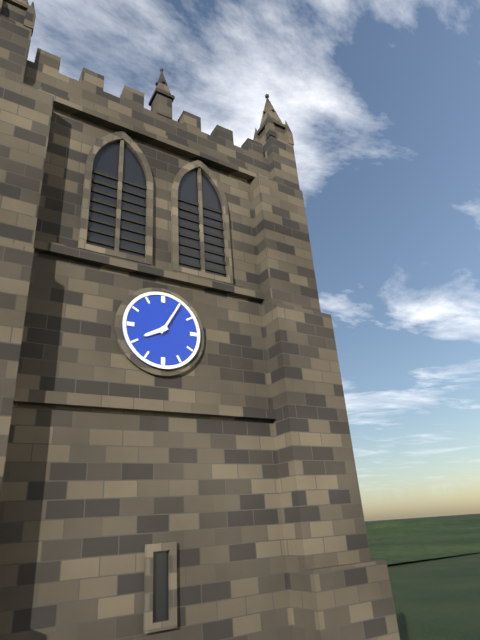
8:05
